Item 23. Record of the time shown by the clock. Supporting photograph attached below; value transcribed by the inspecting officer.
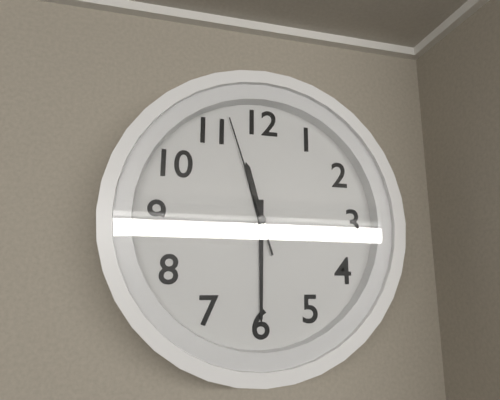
11:30:57
